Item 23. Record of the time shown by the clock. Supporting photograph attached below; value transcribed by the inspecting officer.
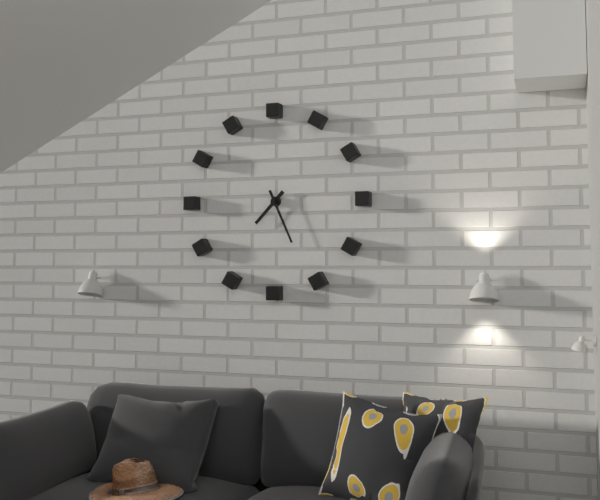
7:26
